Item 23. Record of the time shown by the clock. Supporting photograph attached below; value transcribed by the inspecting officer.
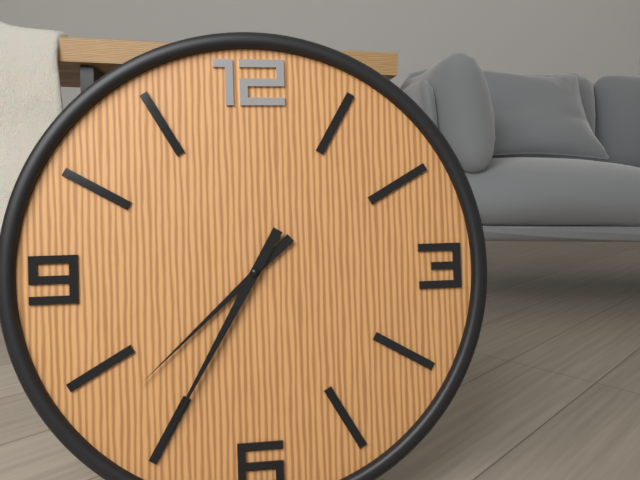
7:35
